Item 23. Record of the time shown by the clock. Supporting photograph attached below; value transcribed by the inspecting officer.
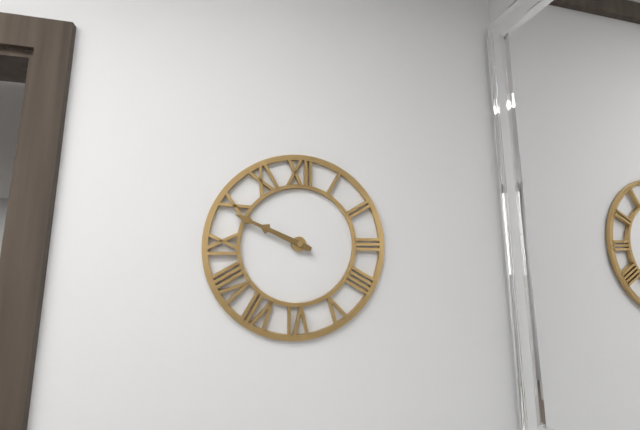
9:49
